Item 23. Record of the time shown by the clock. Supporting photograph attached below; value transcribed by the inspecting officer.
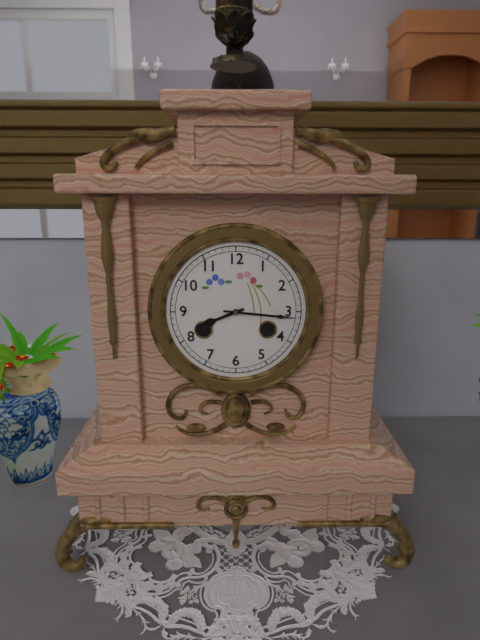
8:16
